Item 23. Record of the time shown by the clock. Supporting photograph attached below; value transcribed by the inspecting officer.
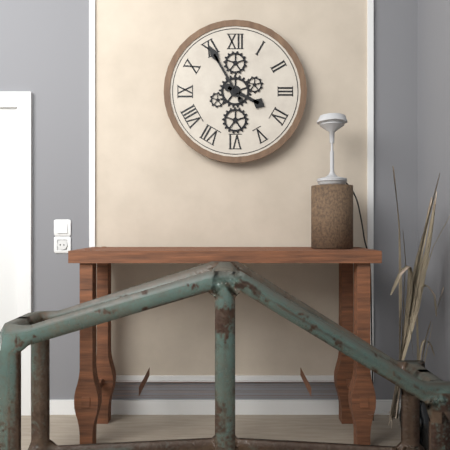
3:55
